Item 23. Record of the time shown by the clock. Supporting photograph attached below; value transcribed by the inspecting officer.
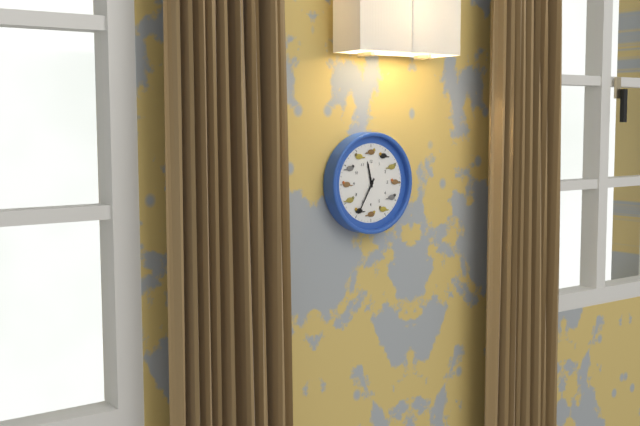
11:35
